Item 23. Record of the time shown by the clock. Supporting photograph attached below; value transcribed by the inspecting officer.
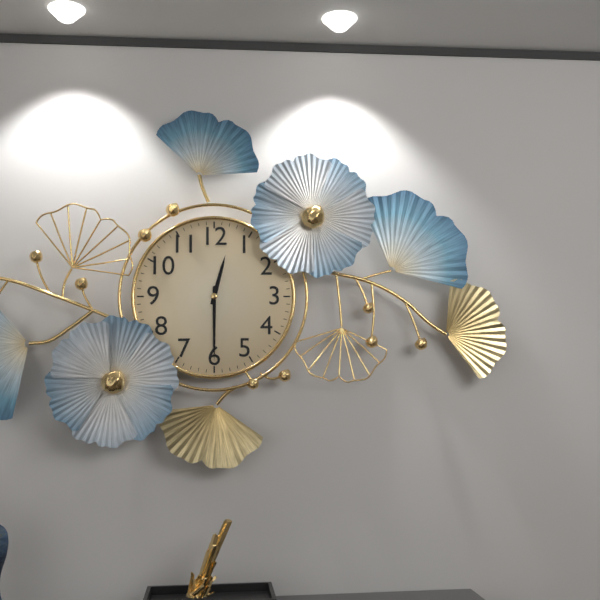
12:30
